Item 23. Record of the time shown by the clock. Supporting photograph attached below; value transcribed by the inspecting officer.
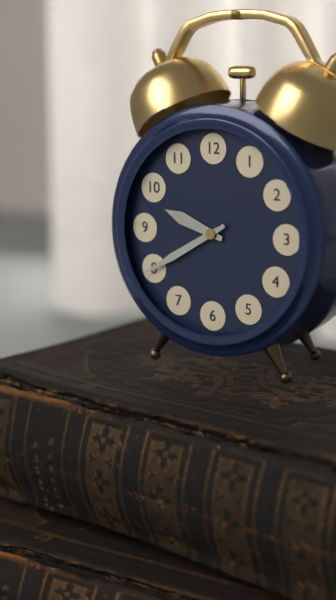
9:40
